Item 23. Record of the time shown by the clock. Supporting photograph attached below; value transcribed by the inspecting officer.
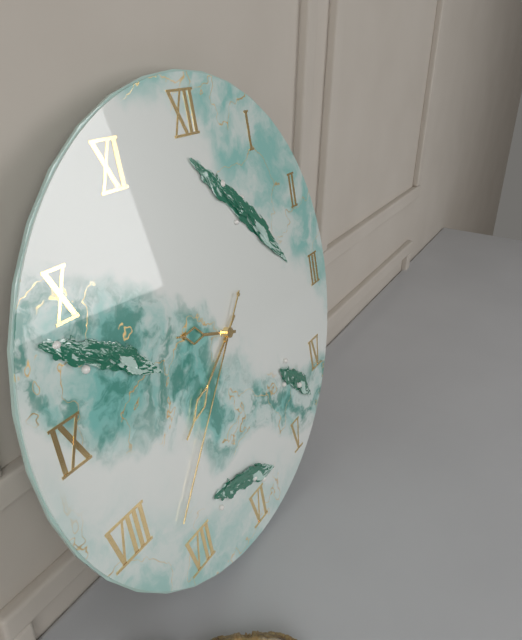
9:39:37
